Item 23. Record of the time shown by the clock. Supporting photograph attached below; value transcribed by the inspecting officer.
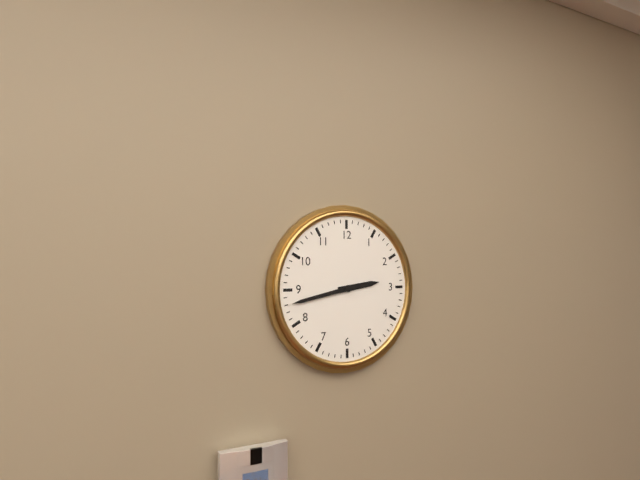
2:43
